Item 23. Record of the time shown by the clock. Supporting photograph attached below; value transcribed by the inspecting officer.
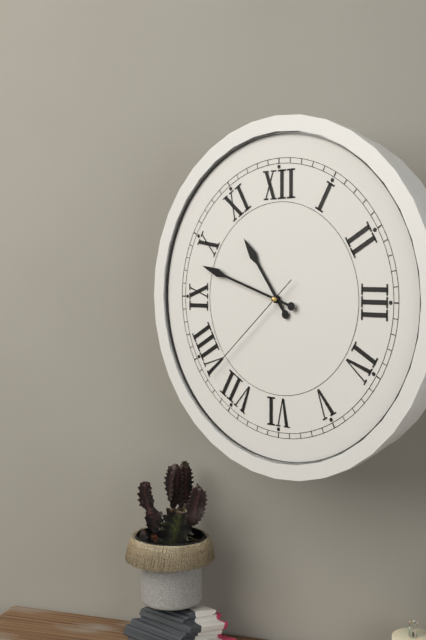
10:48:38
